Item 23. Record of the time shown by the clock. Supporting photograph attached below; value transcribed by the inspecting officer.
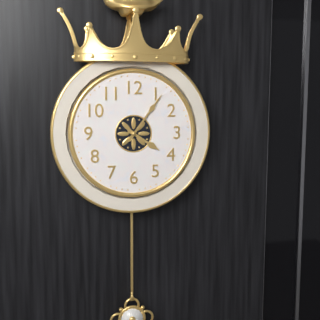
4:06
